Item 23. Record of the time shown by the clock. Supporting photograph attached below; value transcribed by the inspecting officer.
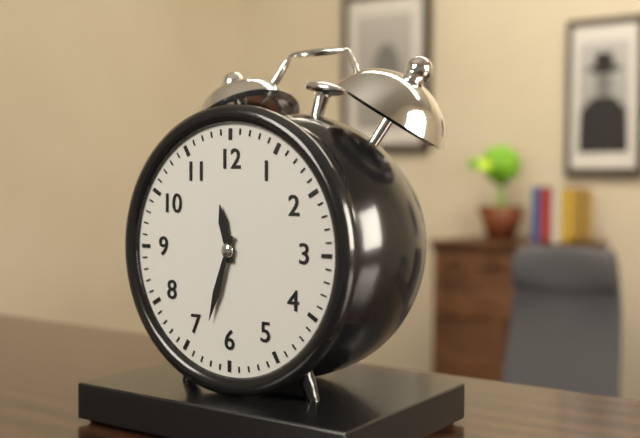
11:33
